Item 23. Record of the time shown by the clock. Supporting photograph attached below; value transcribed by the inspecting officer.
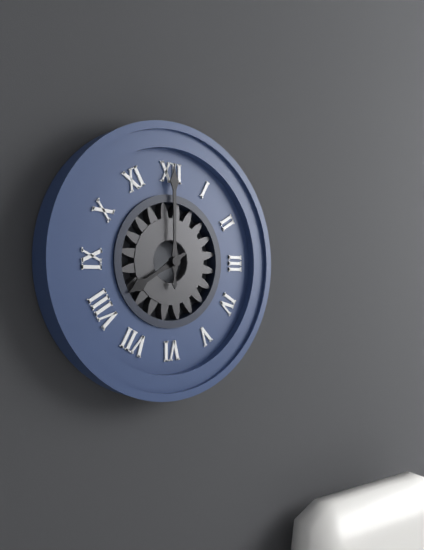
8:00
